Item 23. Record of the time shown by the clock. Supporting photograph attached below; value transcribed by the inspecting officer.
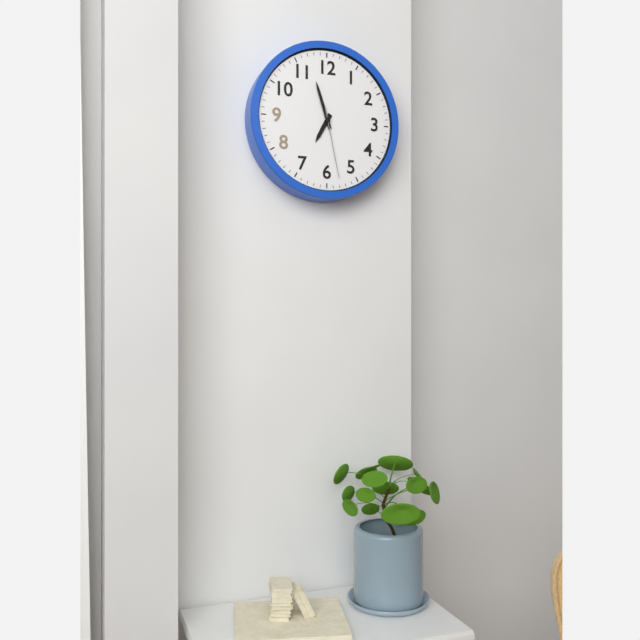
6:57:28
